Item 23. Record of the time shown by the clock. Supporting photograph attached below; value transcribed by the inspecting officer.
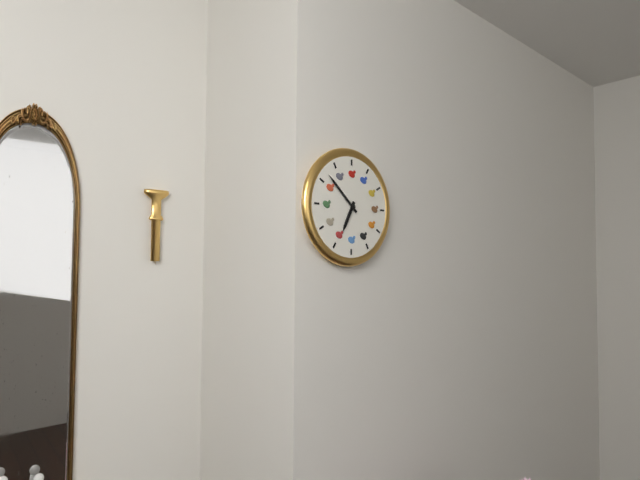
6:52
